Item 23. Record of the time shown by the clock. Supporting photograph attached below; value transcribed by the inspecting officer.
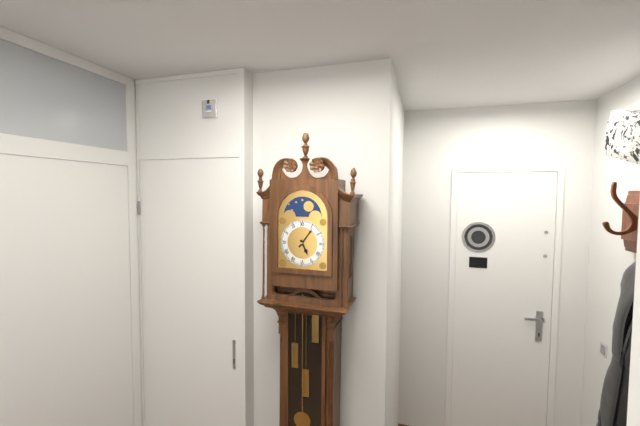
5:06
